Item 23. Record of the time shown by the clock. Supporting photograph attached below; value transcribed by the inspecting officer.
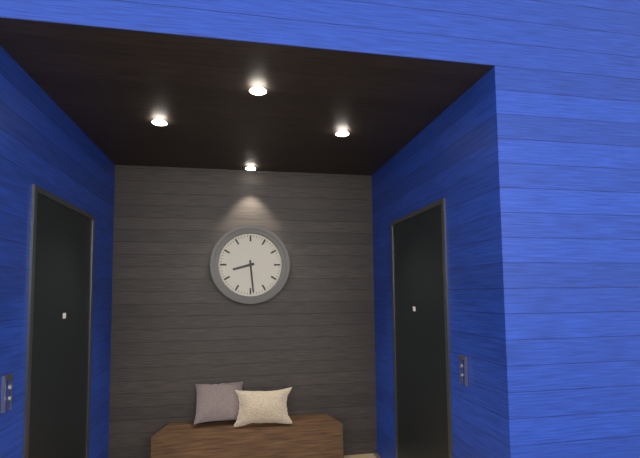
8:29
